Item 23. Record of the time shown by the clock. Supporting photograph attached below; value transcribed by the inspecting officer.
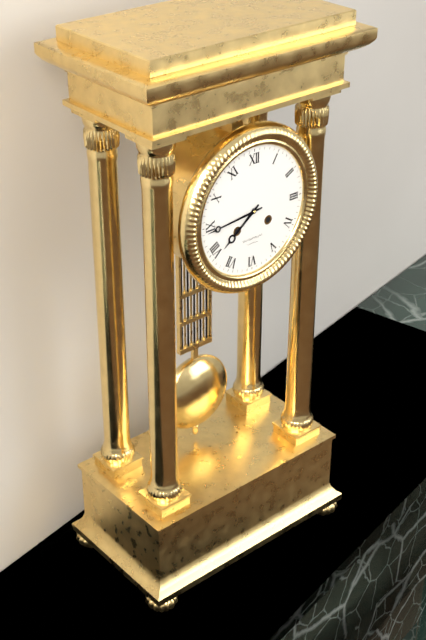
7:44
